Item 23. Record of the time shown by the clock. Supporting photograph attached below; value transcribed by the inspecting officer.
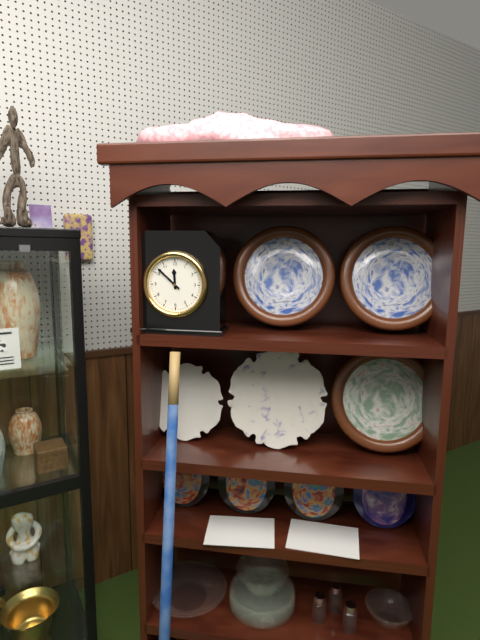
11:52
